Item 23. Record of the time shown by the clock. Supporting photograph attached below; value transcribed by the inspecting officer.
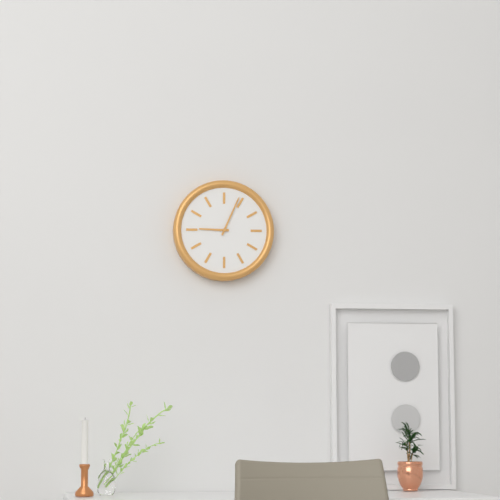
9:04
